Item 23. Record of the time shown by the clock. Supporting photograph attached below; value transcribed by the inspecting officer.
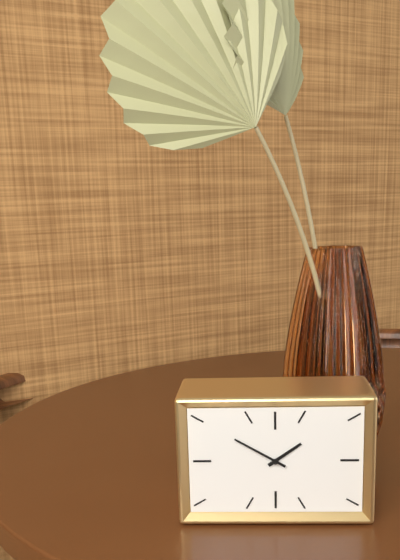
1:50
